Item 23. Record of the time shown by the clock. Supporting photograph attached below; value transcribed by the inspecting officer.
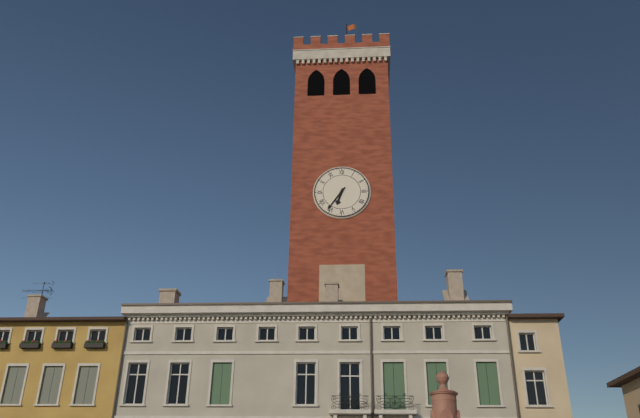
6:36
